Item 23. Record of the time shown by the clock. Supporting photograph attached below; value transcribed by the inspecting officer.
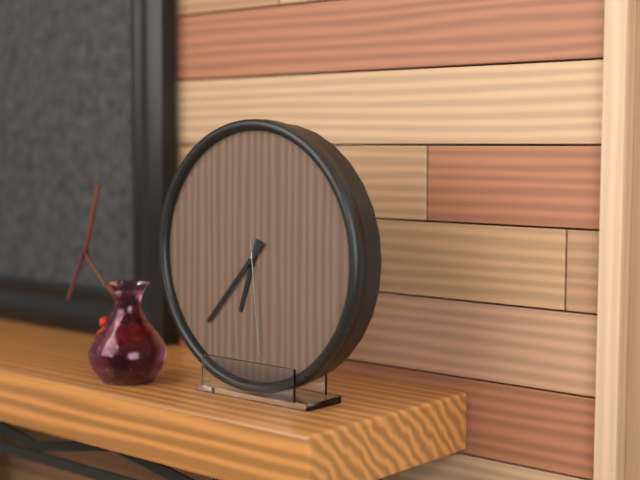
6:37:29
